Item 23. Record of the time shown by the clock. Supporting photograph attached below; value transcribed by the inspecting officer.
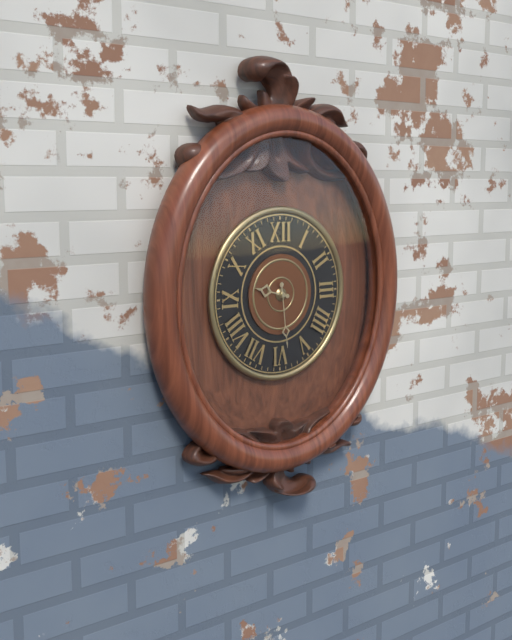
9:29
